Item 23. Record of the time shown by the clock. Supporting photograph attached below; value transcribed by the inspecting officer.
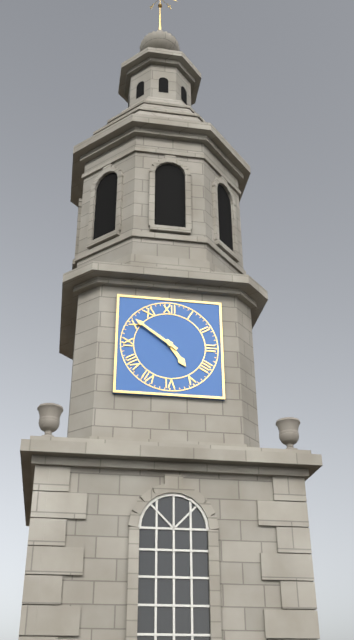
4:51
